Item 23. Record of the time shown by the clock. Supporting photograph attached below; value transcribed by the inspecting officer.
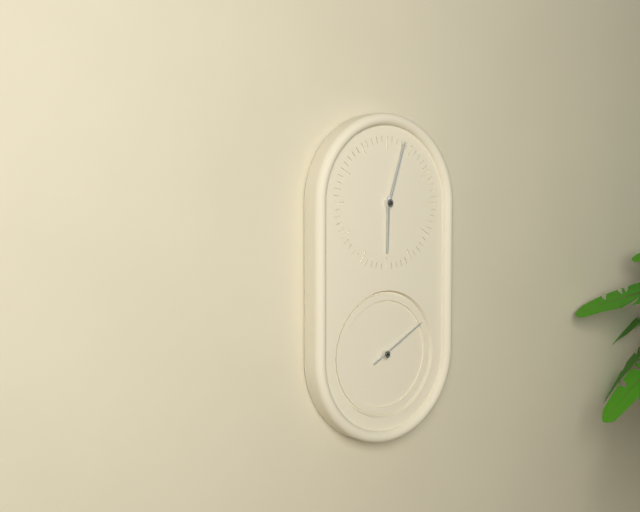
6:03:10
